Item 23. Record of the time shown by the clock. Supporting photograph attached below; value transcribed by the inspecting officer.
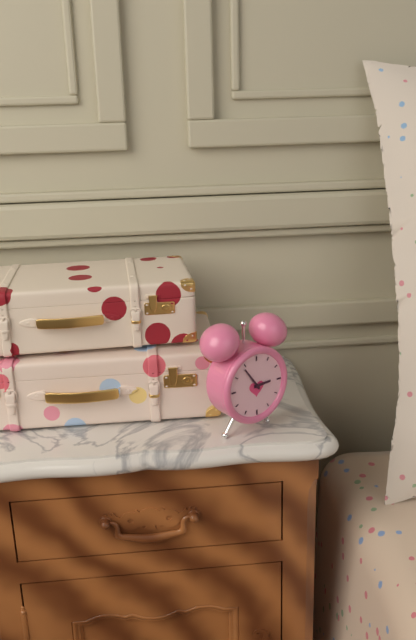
2:54
